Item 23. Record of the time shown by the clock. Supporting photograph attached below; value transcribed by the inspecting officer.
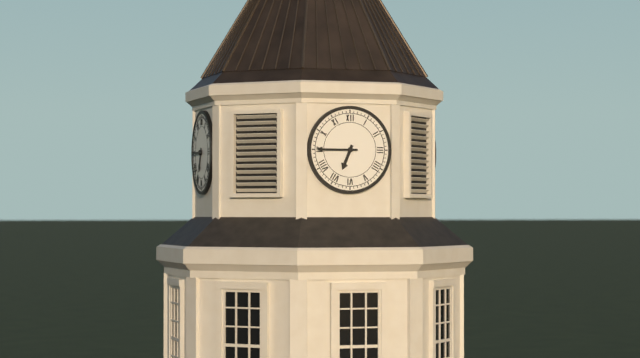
6:45
